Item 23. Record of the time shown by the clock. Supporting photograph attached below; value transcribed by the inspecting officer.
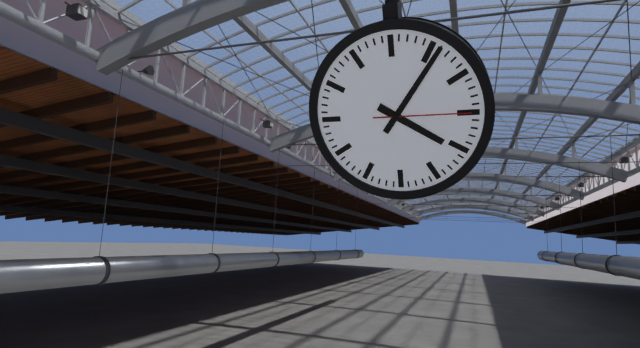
4:06:15
